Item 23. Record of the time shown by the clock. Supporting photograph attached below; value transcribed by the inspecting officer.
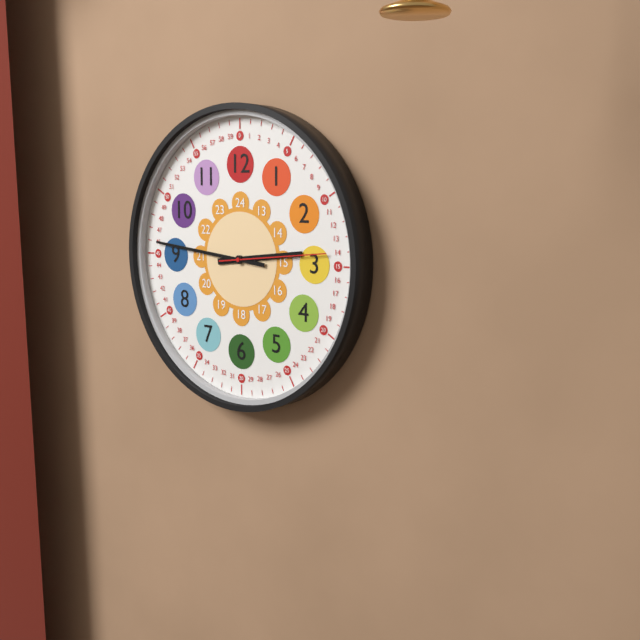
2:46:14
